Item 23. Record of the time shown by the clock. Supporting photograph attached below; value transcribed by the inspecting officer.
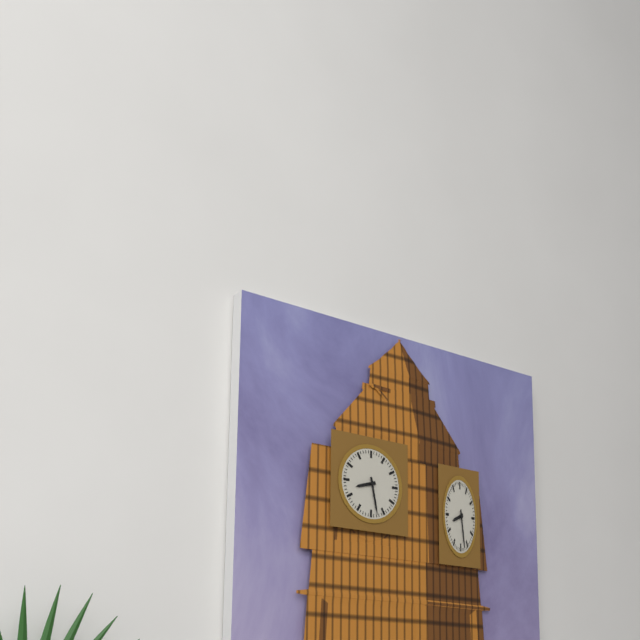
8:28
